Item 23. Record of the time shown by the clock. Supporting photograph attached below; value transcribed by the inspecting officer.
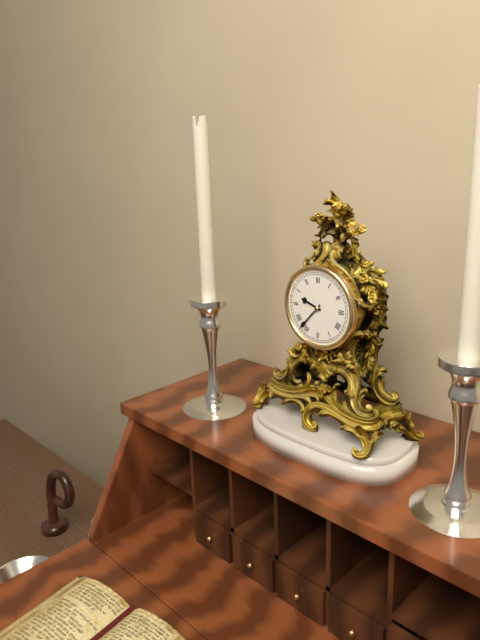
9:37
